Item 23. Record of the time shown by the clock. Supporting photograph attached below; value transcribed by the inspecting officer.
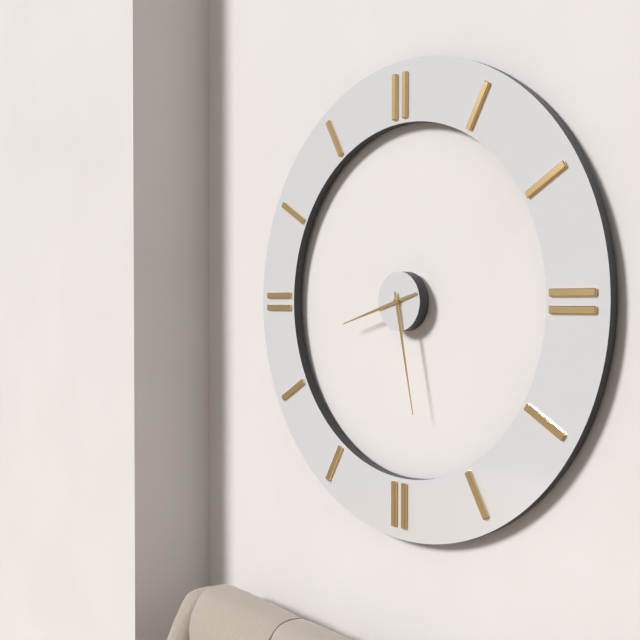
8:28
